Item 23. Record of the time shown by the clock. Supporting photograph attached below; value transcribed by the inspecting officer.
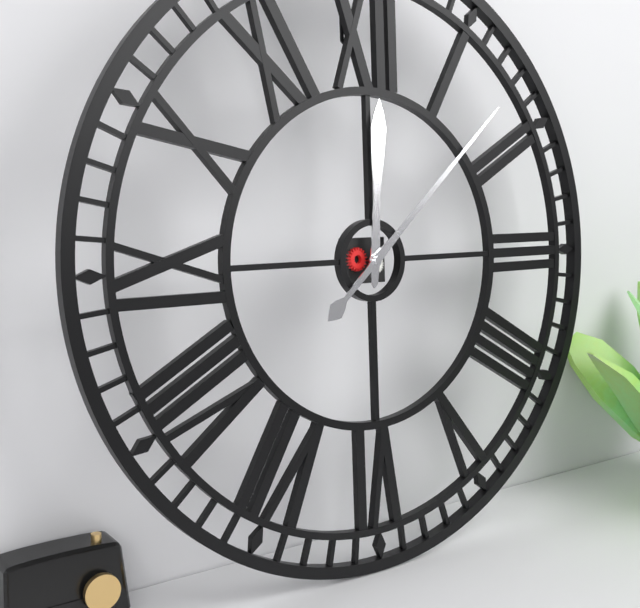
12:08
